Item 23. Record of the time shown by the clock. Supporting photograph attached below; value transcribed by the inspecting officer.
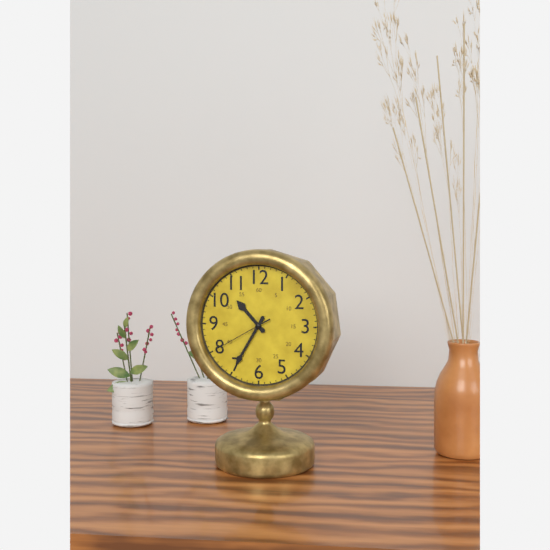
10:35:40
